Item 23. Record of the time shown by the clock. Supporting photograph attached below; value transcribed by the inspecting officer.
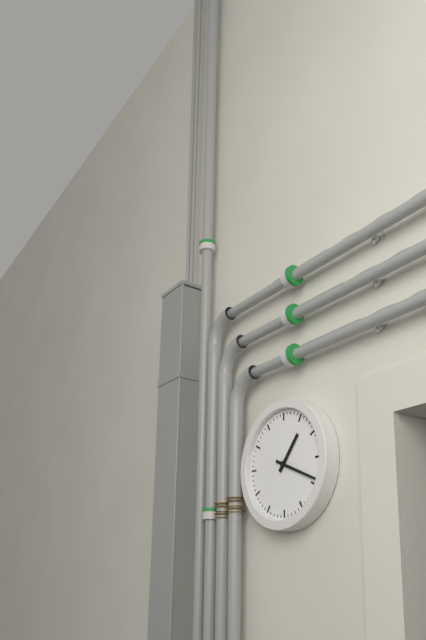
1:19
